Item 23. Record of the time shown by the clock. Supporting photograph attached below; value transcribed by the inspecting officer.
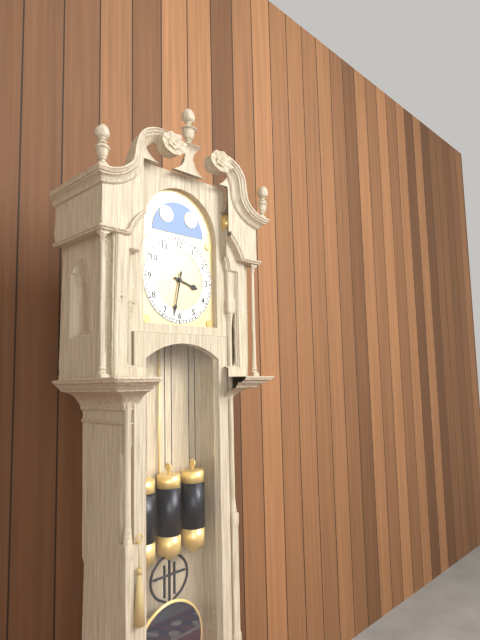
3:32
